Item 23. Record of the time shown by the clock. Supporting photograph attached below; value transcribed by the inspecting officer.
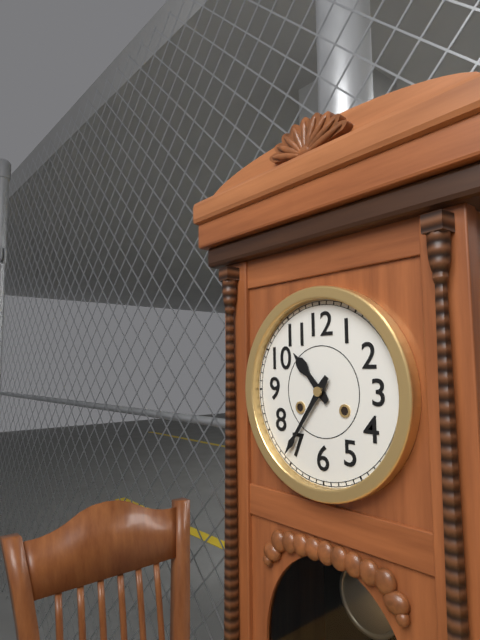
10:36
